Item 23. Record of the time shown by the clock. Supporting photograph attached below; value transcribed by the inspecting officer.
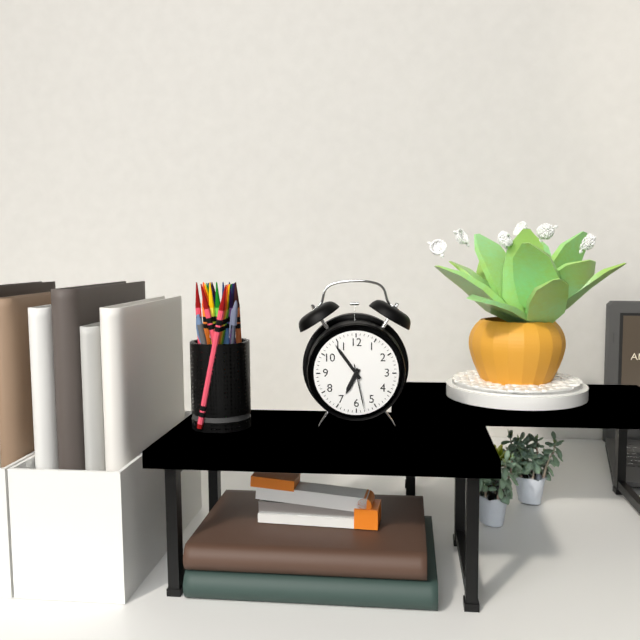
6:54
